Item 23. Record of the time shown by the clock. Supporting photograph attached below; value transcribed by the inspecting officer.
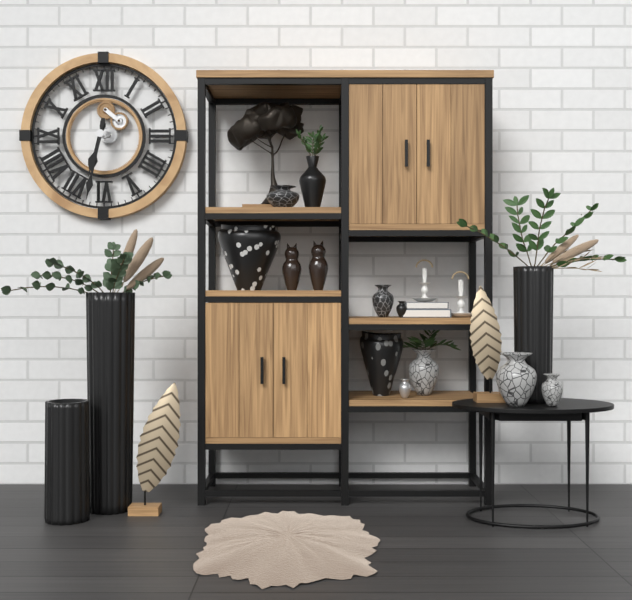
6:32
